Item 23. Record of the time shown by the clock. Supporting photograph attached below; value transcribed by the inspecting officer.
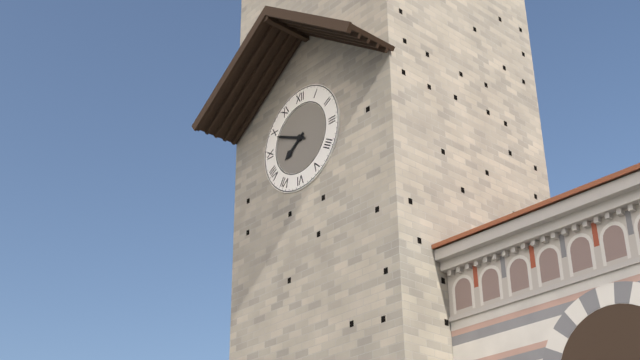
7:49
